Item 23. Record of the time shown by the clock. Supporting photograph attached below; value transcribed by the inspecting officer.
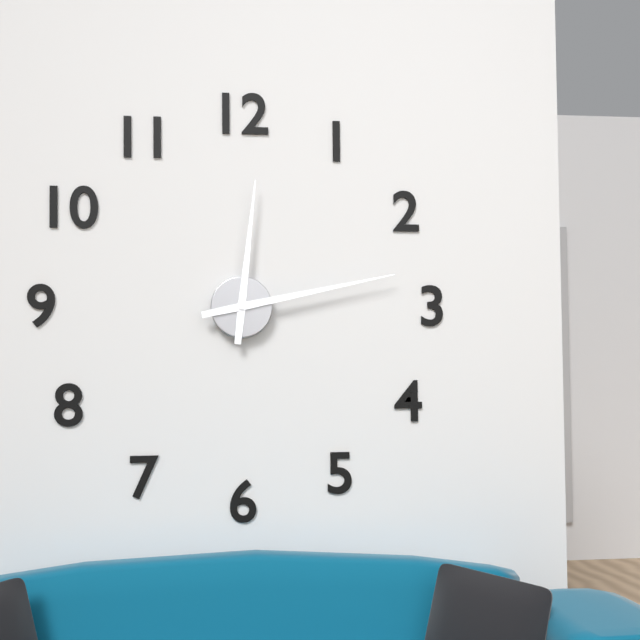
12:13
